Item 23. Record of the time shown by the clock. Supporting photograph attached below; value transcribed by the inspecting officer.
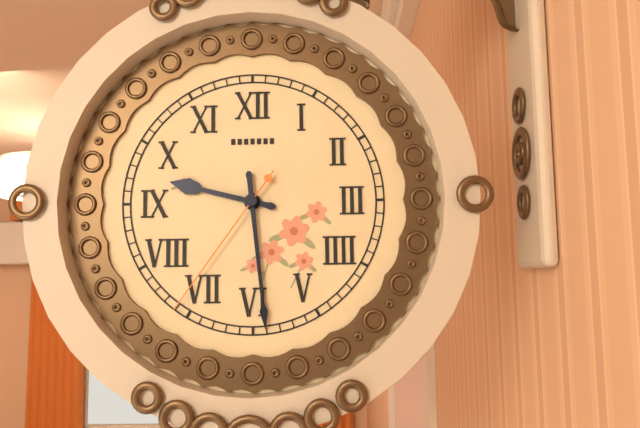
9:29:36
